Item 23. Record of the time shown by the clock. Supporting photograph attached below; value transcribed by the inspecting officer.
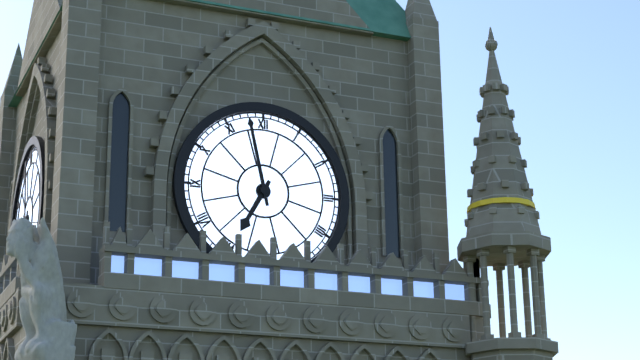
6:58
